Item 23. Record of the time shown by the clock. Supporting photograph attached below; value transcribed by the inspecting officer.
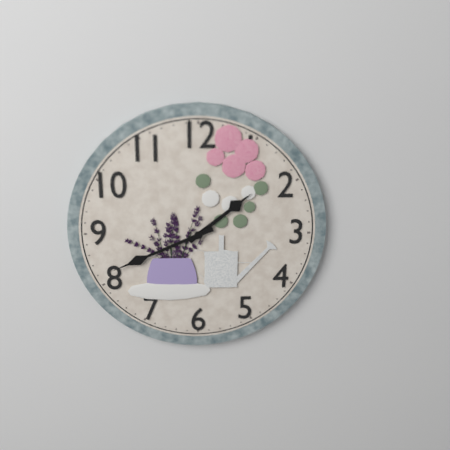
1:41
